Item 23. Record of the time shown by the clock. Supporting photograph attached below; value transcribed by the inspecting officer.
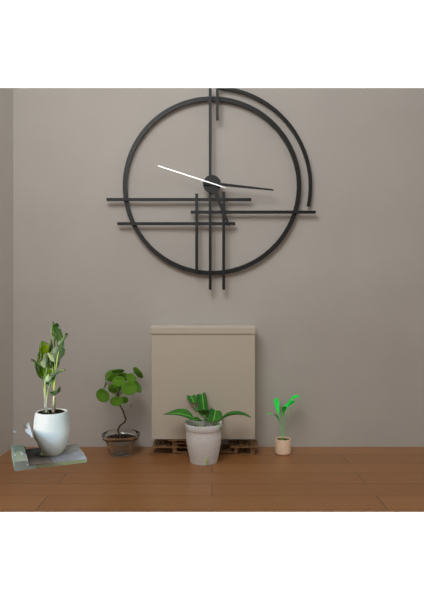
5:16:48
